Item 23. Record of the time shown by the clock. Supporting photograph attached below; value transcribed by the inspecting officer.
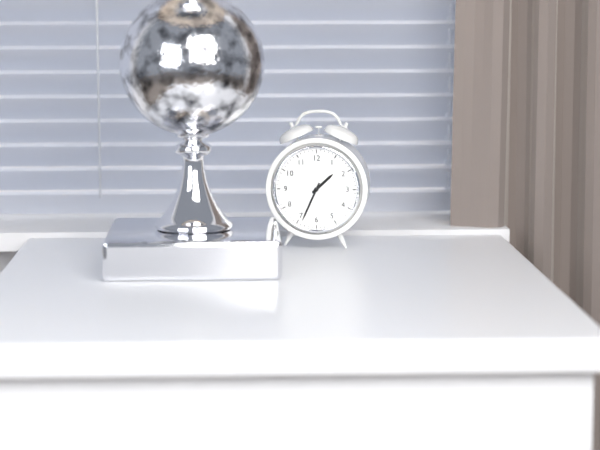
1:34
